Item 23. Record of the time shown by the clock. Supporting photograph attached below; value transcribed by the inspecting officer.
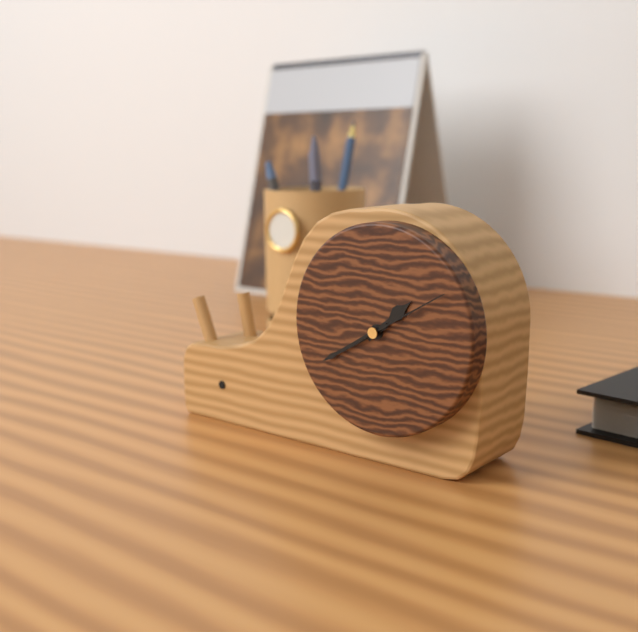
1:40:10
